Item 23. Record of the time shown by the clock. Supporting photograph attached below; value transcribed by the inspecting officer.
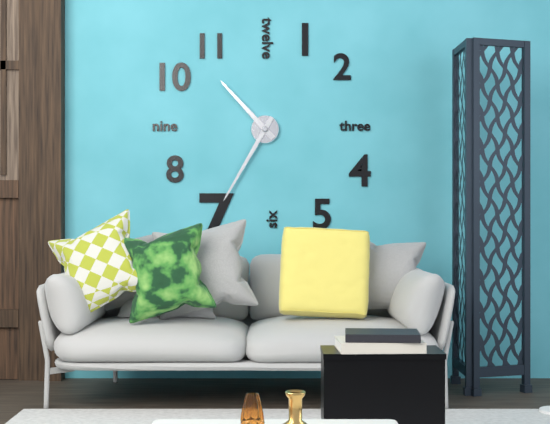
10:35
